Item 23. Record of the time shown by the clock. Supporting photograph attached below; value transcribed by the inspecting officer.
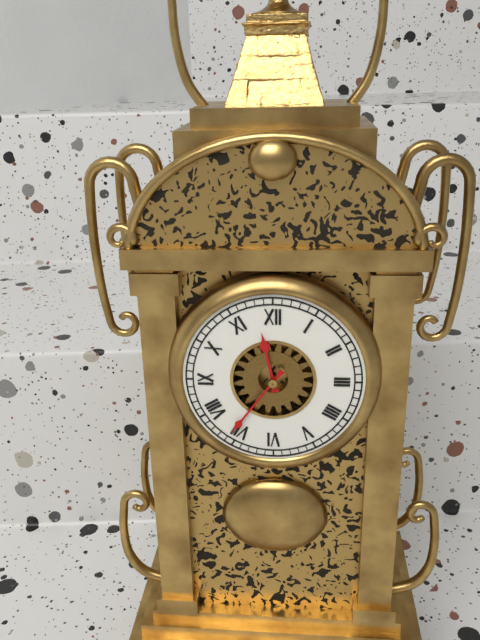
11:36
